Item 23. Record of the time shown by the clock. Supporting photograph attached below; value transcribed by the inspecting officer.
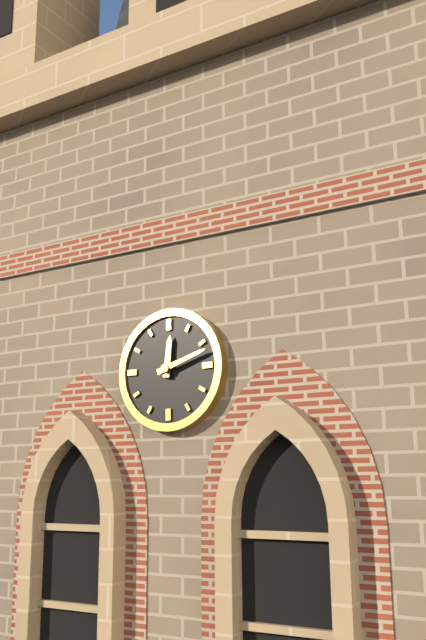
12:12
